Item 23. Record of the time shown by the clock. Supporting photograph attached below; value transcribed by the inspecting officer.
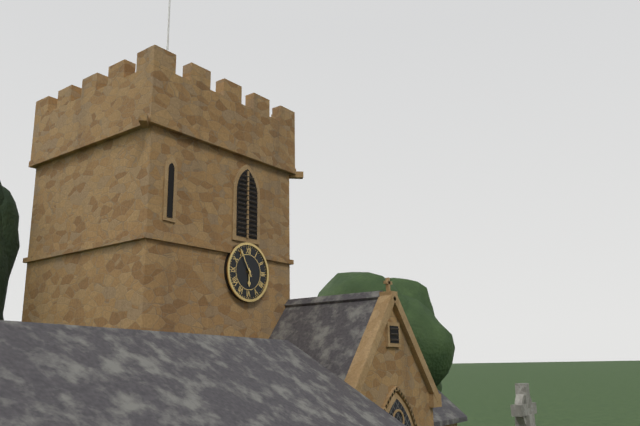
5:55
